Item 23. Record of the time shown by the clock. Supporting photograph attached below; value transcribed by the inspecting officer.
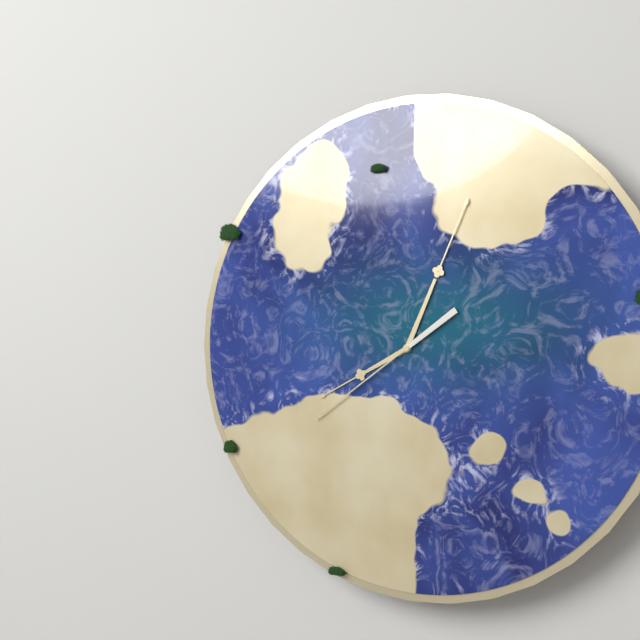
8:04:39
